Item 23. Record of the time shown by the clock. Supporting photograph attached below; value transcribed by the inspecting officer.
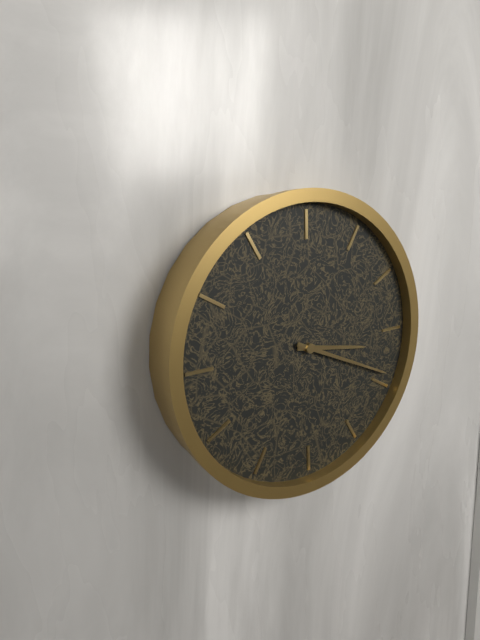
3:19
